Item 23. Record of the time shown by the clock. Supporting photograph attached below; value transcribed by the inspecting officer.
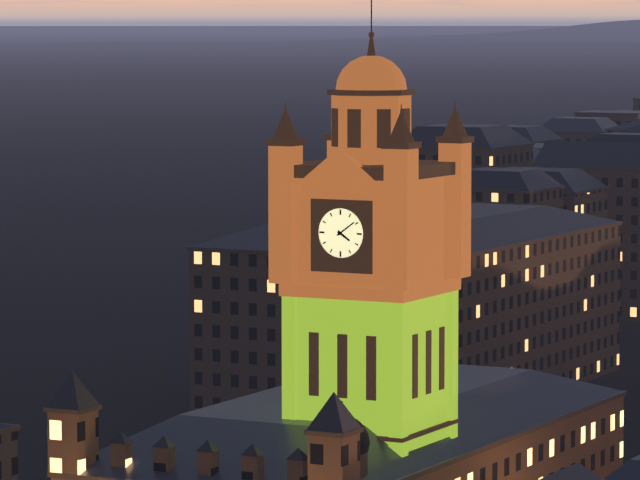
4:09
